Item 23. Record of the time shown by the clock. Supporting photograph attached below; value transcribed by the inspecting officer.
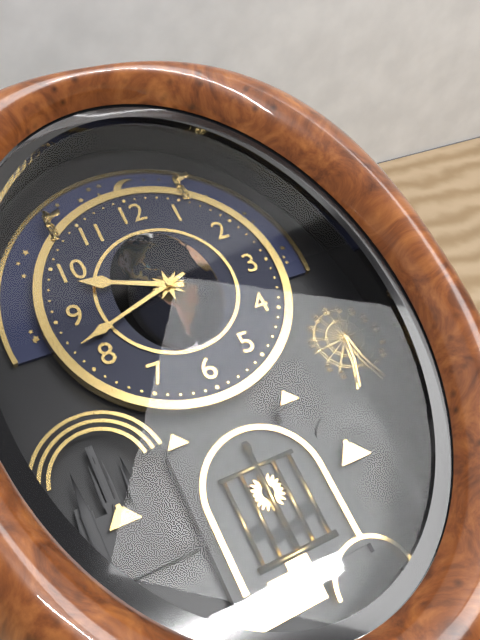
9:42
